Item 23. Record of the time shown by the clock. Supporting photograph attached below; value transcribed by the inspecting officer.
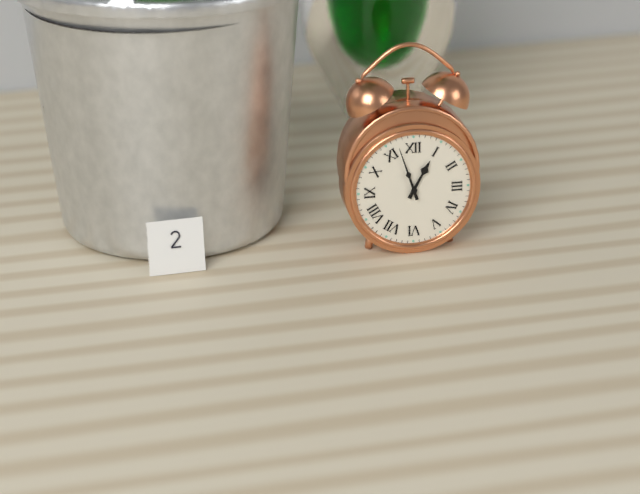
12:57
